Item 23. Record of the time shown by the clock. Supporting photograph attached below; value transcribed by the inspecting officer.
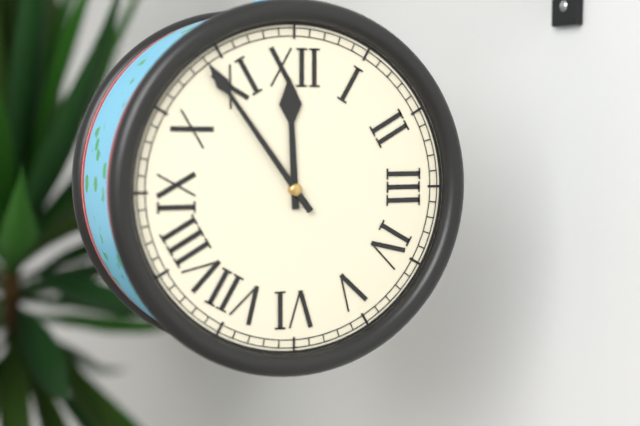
11:54
